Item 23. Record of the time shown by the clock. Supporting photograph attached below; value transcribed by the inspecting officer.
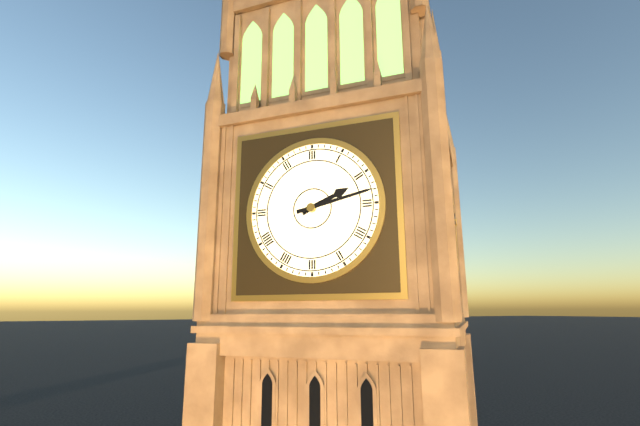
2:13
